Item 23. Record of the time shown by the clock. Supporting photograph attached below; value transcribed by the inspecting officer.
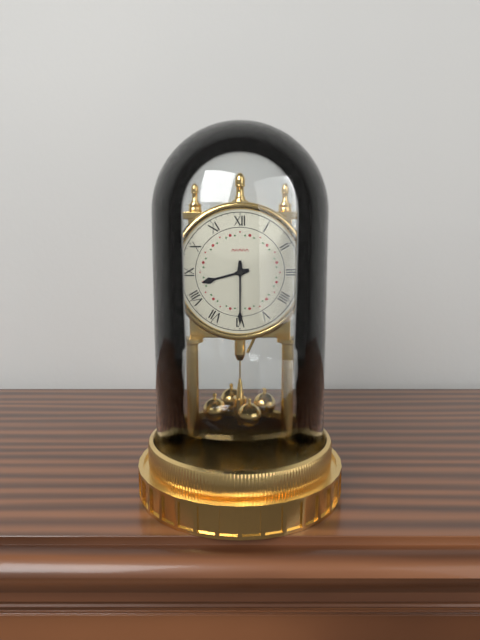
8:30
